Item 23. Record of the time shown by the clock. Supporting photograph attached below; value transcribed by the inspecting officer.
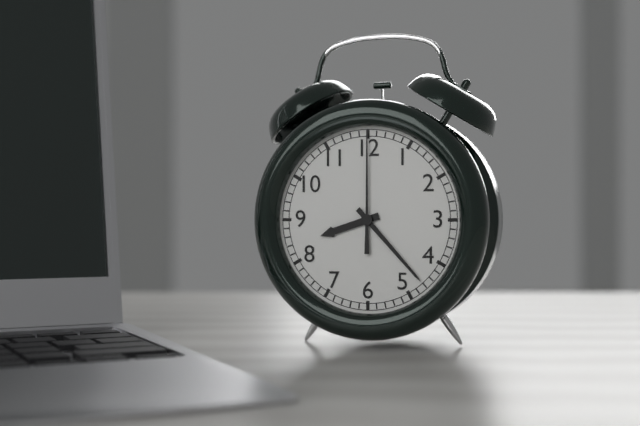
8:23:00
